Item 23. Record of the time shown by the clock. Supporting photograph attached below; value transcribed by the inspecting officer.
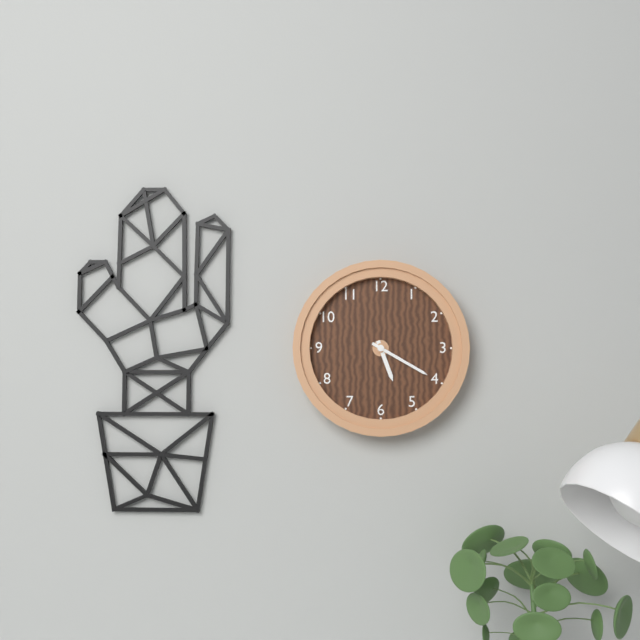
5:20
